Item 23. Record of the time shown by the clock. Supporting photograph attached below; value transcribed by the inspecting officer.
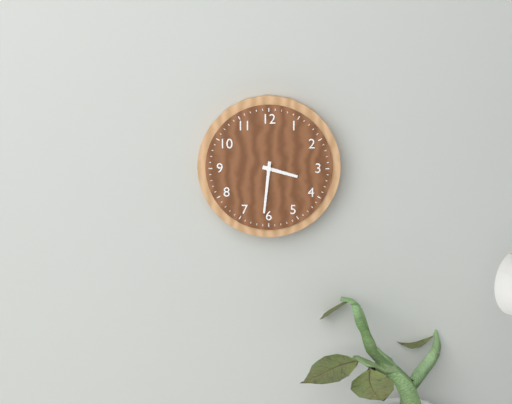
3:31
